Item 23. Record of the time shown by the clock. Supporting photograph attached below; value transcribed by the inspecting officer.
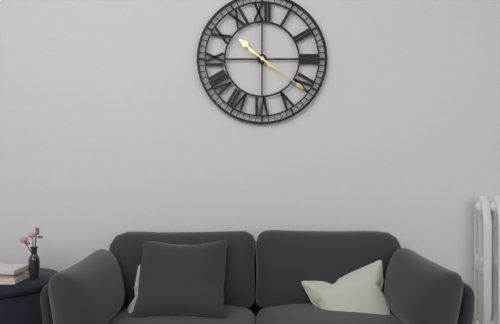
10:21
